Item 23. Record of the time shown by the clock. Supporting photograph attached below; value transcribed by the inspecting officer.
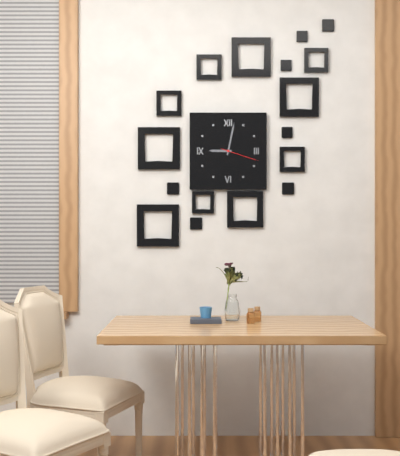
9:02
